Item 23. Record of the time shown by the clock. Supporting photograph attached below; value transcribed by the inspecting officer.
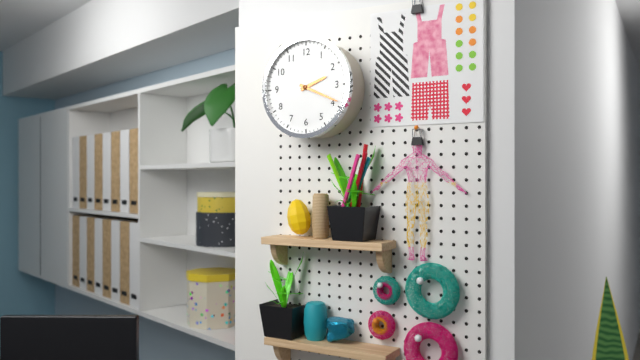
2:19
